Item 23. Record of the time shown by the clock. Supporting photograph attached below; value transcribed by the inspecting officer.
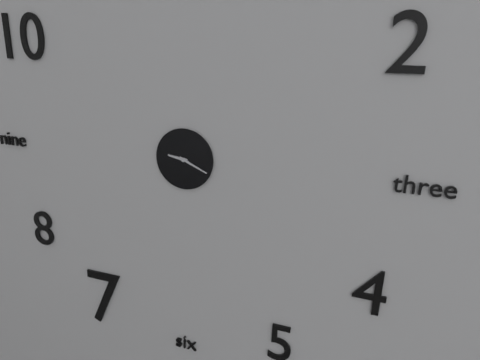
9:19
